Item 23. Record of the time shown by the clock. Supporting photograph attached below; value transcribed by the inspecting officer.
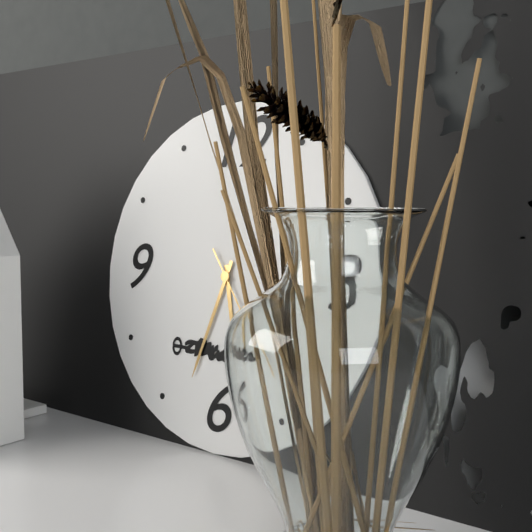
5:33:24
